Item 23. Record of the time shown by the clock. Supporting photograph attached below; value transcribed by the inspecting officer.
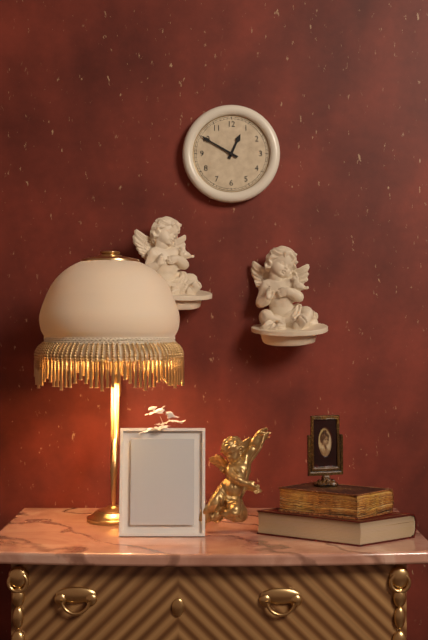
12:50
